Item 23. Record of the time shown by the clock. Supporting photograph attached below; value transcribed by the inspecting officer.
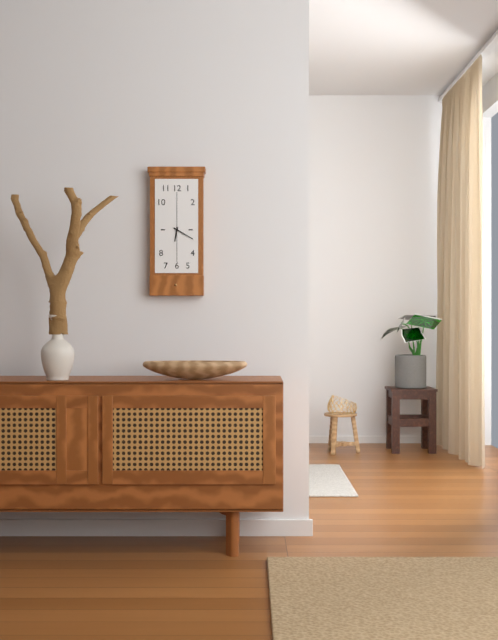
6:20
